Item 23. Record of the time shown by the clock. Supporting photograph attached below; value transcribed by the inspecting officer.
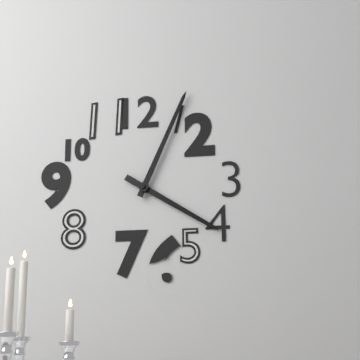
4:04
